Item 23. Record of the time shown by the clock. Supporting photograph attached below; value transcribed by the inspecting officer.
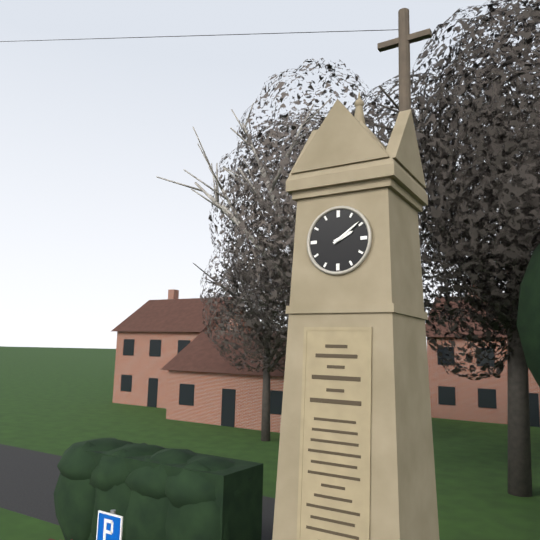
2:09
